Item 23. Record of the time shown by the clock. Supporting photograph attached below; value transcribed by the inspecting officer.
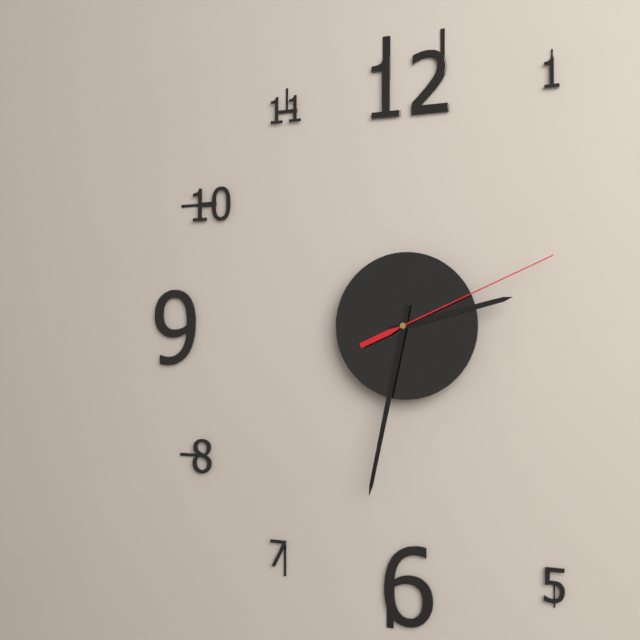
2:32:11
